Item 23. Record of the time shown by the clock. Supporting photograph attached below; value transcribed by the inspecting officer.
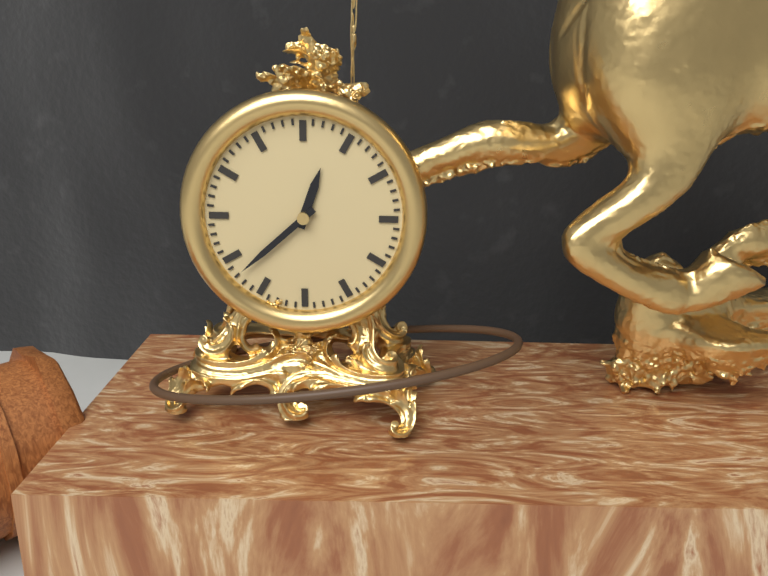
12:38
